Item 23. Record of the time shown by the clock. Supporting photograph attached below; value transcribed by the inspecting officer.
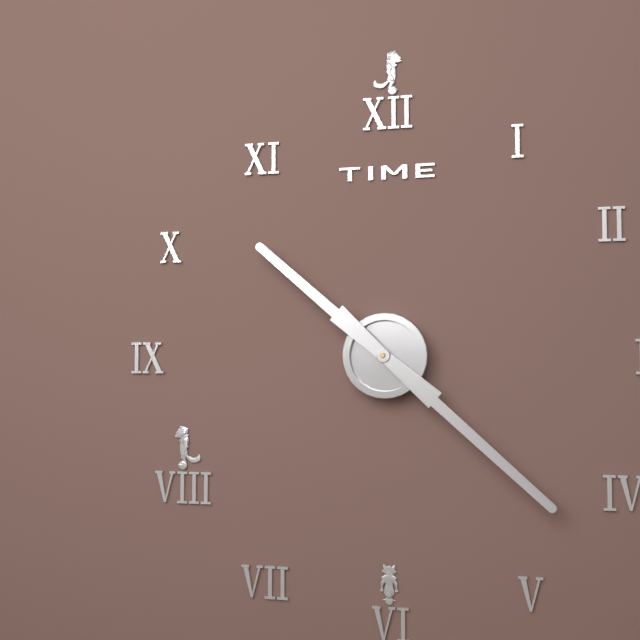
10:22
